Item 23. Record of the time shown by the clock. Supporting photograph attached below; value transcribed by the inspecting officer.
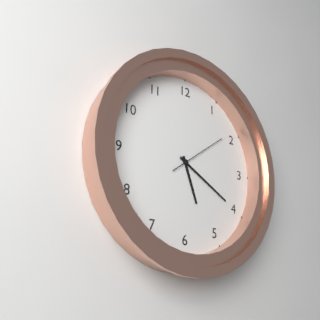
5:20:09
